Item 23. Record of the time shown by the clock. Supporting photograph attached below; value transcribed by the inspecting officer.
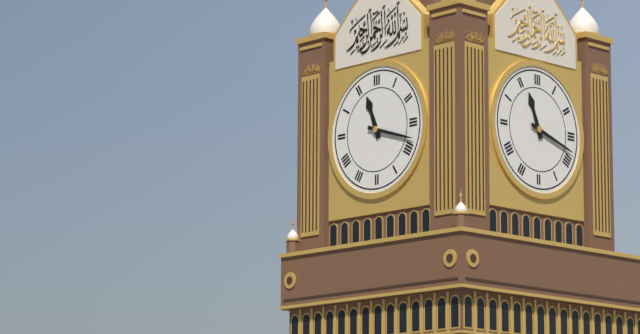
11:18
